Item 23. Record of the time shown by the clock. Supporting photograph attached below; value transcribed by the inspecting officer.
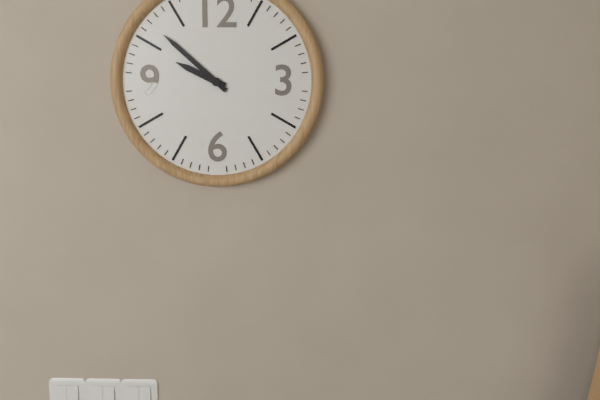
9:52
